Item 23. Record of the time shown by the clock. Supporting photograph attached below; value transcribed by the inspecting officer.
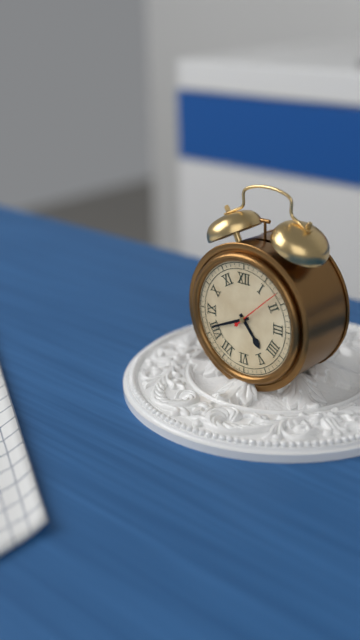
4:41:08
